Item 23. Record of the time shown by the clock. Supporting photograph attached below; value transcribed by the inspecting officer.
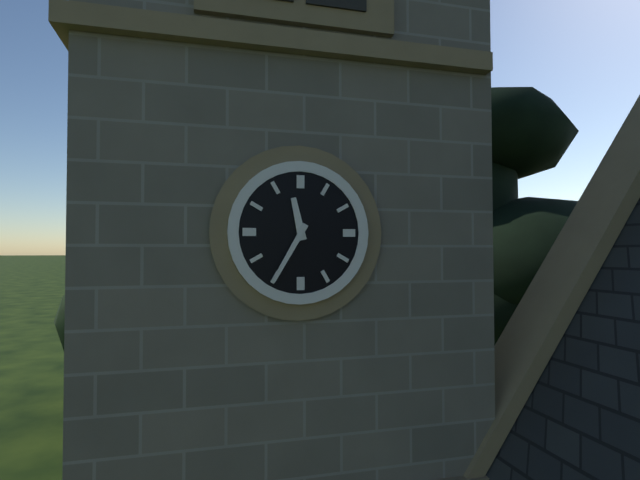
11:35
